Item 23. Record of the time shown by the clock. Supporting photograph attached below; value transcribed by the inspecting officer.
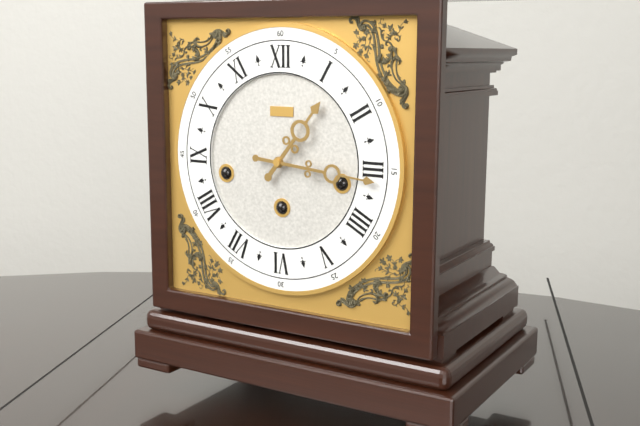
1:16
